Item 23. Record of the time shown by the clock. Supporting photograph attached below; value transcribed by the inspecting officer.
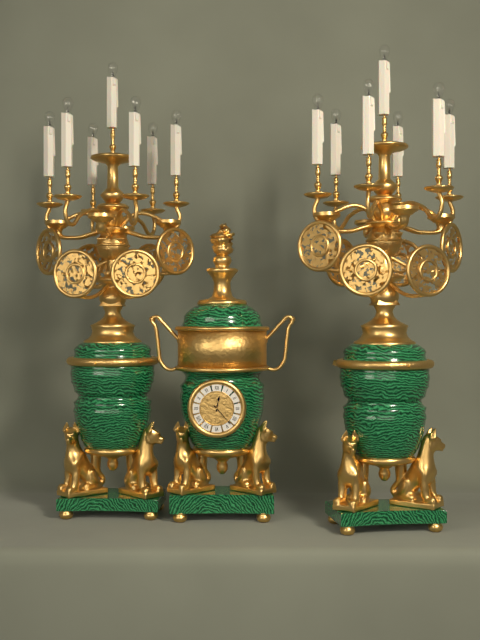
12:23
